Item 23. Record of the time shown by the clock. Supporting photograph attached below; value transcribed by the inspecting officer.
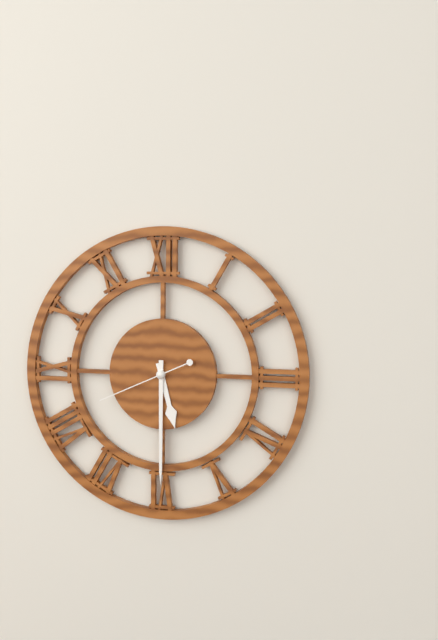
5:30:41
